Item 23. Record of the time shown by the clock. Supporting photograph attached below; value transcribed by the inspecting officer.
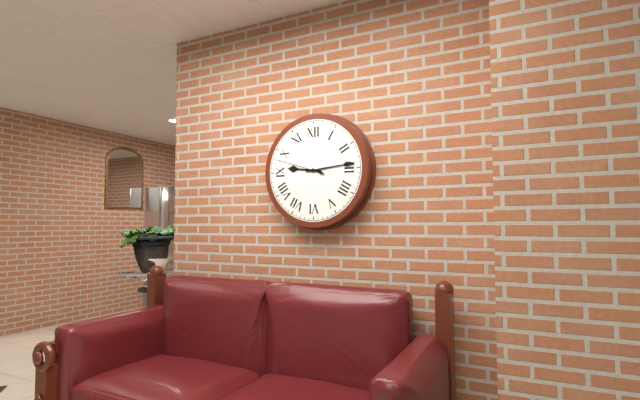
9:14:48
